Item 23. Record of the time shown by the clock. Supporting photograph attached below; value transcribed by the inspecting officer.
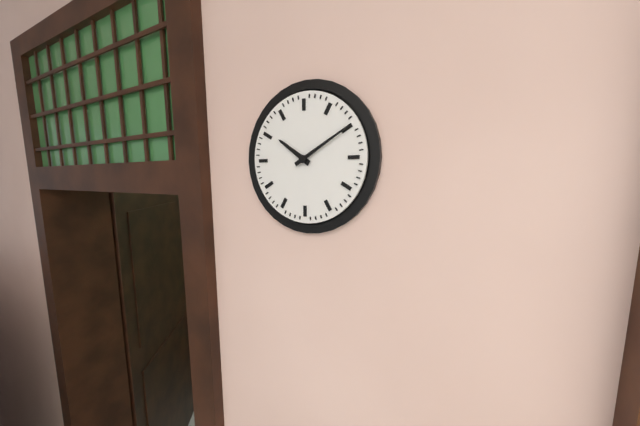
10:10
